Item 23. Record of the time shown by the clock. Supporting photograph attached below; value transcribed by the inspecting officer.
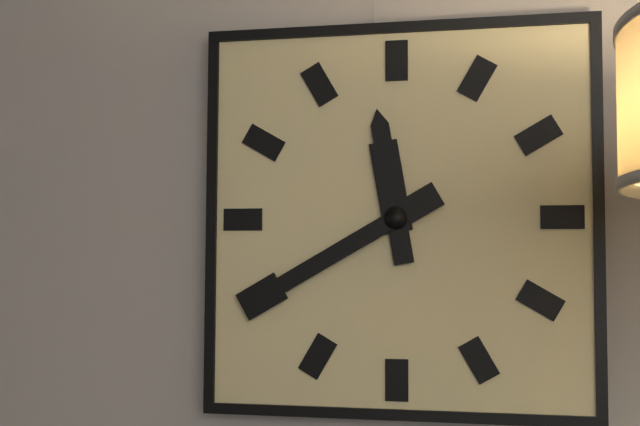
11:40
